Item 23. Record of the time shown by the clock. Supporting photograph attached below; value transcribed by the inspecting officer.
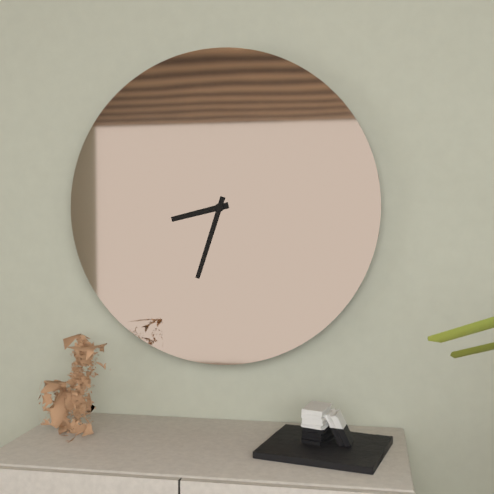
8:33
